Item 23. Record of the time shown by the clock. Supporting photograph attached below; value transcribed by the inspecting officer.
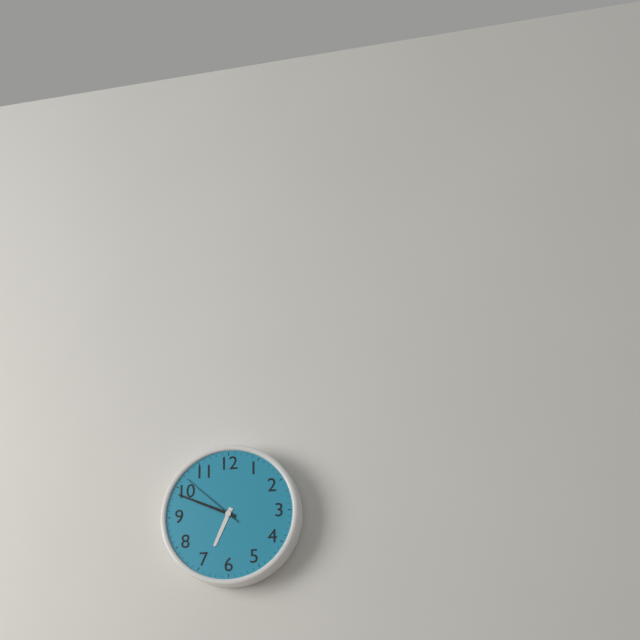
6:49:52
